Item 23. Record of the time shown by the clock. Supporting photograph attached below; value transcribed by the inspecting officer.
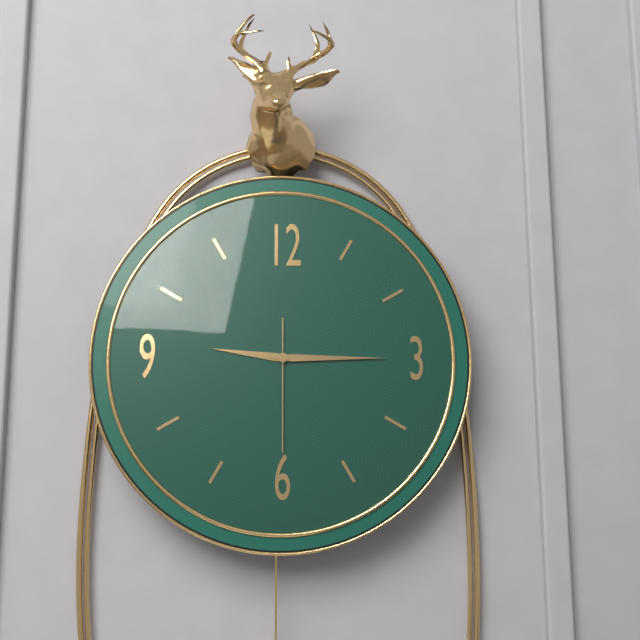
9:15:30
